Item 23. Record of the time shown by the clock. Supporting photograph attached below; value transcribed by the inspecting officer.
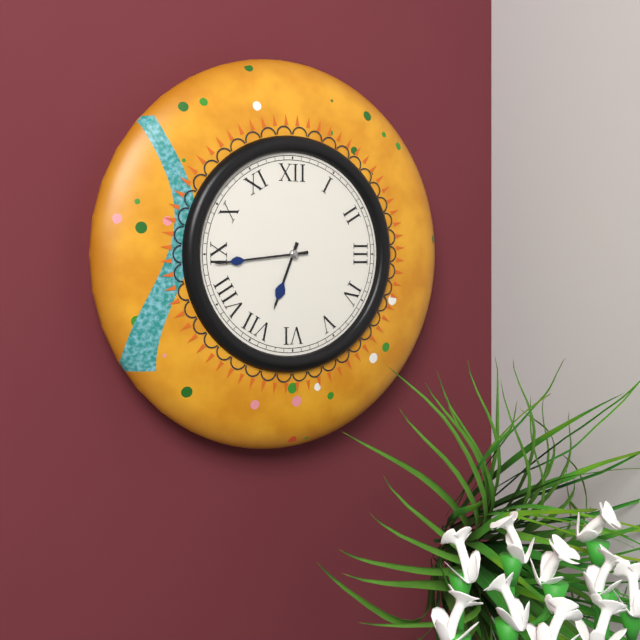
6:44
